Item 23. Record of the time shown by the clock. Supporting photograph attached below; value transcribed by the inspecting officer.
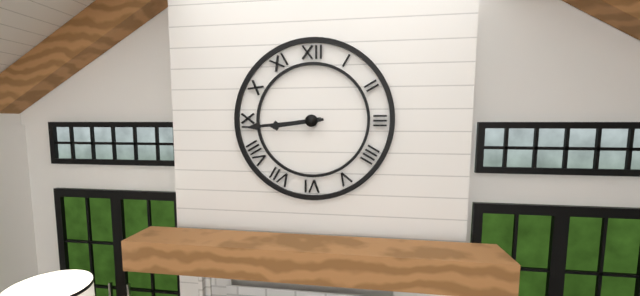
8:44
